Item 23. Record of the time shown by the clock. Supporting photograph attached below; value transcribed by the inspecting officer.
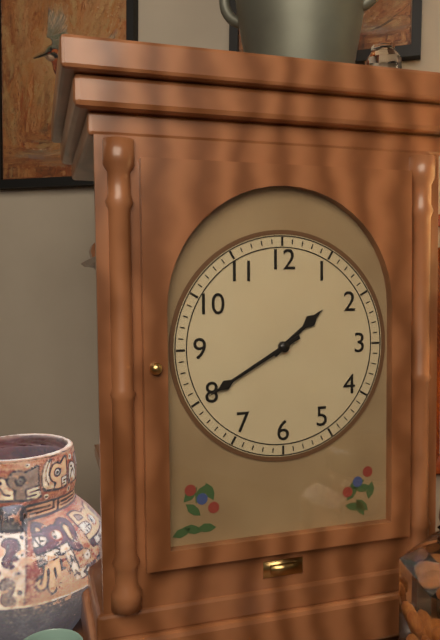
1:40
